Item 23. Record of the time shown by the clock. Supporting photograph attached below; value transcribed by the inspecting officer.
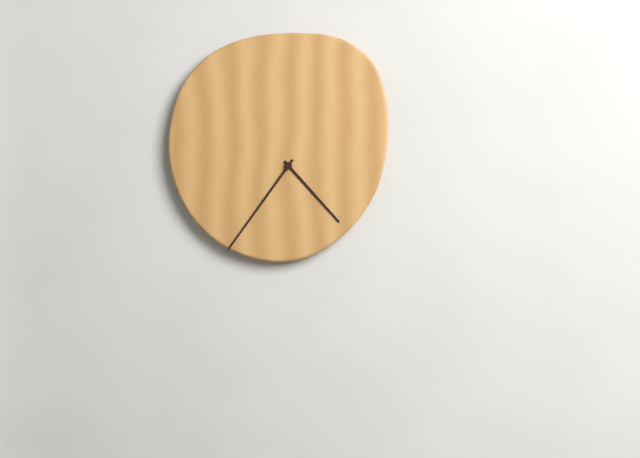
4:36
